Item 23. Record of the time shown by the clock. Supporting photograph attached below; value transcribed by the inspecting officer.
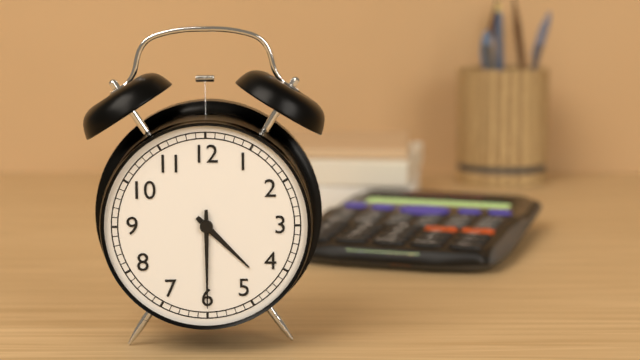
4:30
